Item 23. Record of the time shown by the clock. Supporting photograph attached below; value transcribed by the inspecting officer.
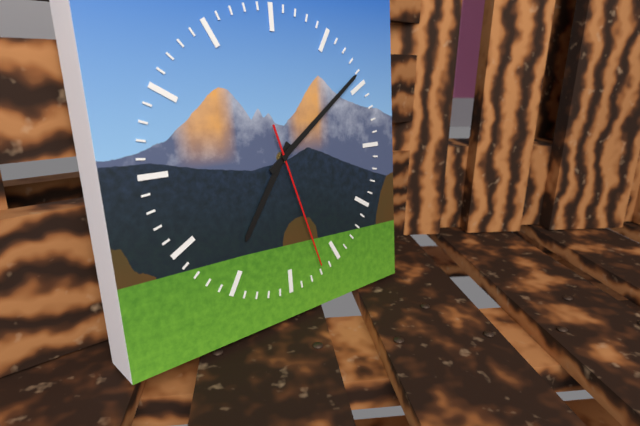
7:09:27
